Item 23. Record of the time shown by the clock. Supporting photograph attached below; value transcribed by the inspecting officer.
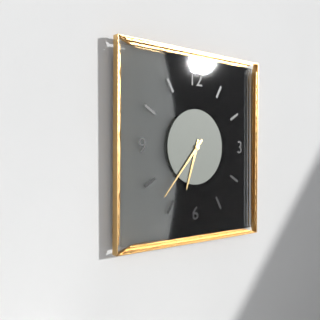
6:37
